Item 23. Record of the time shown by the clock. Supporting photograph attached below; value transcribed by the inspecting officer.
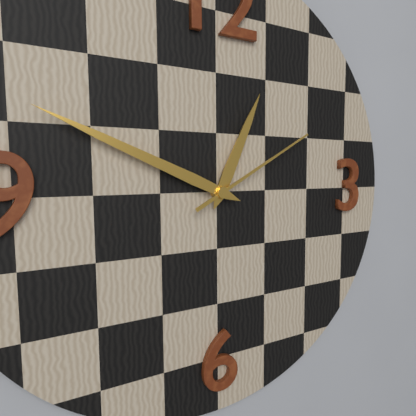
12:49:10
